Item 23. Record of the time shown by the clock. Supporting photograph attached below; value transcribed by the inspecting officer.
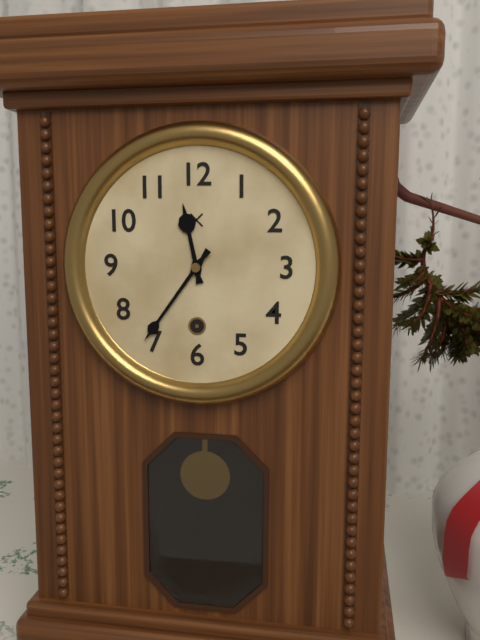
11:36
